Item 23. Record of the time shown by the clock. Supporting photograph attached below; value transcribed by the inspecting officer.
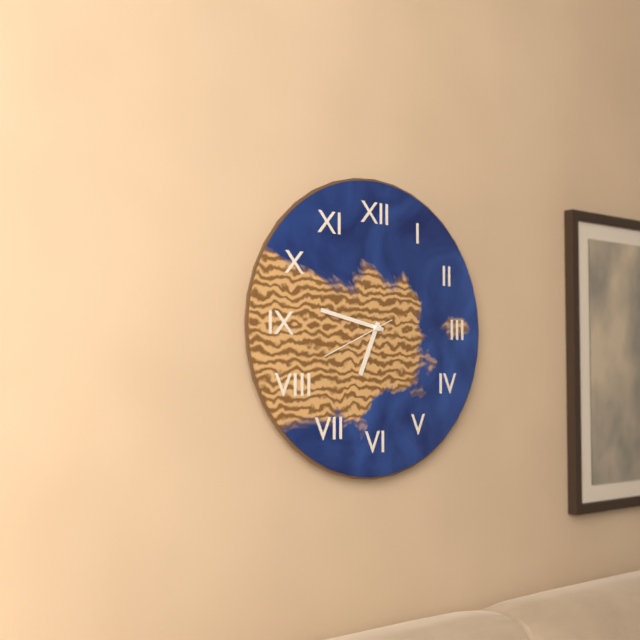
6:47:41
